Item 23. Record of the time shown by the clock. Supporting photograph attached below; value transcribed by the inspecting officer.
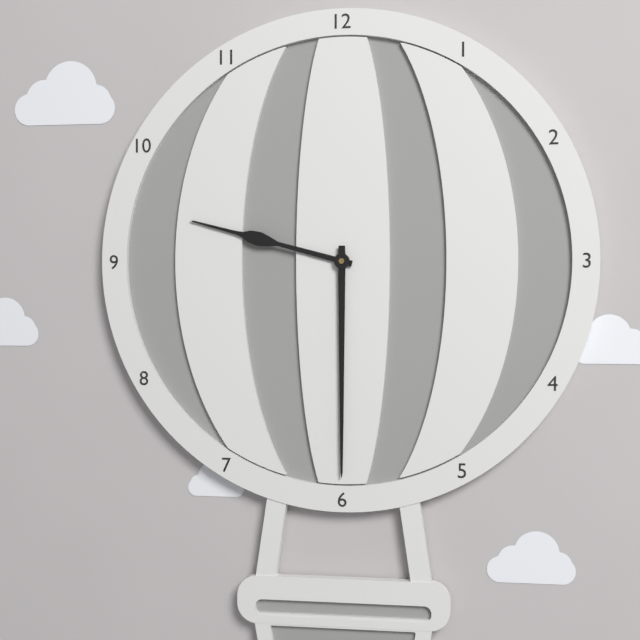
9:30
